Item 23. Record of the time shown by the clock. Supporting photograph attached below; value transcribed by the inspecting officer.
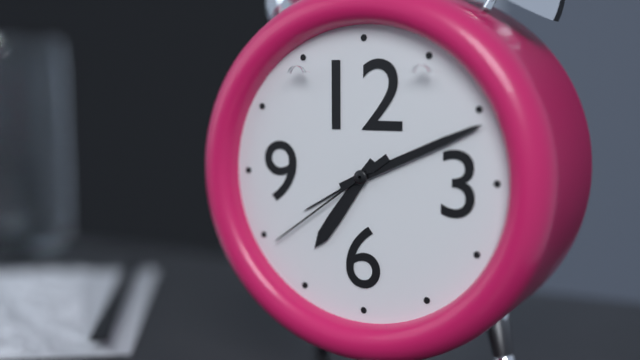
7:11:39
